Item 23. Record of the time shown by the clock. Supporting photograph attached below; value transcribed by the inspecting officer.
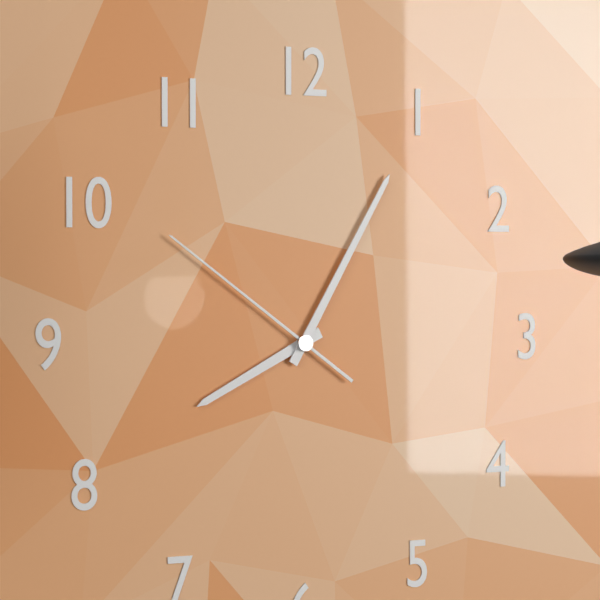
8:05:51
